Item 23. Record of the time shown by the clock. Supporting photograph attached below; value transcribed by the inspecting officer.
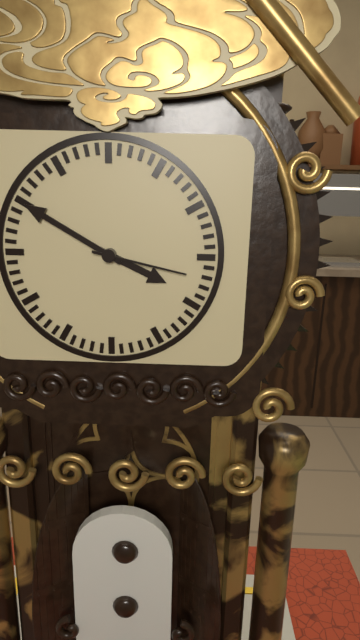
3:50:17
